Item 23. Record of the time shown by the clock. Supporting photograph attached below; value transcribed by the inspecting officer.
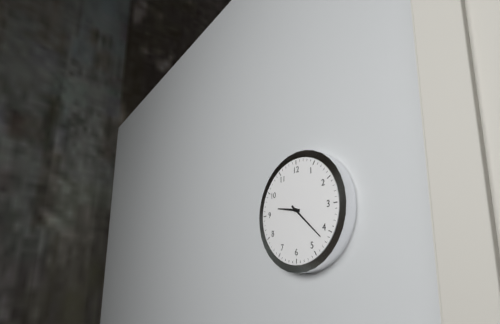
9:22
